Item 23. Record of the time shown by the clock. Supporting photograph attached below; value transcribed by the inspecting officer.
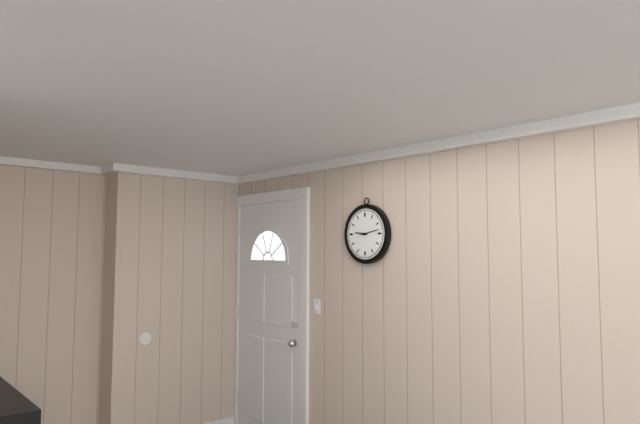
9:13
